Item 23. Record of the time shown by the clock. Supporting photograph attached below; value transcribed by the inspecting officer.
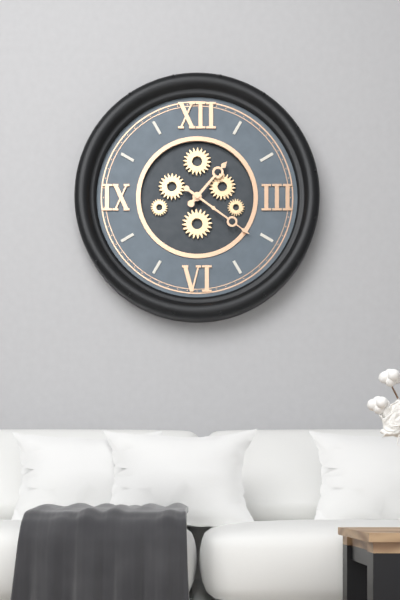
1:21
